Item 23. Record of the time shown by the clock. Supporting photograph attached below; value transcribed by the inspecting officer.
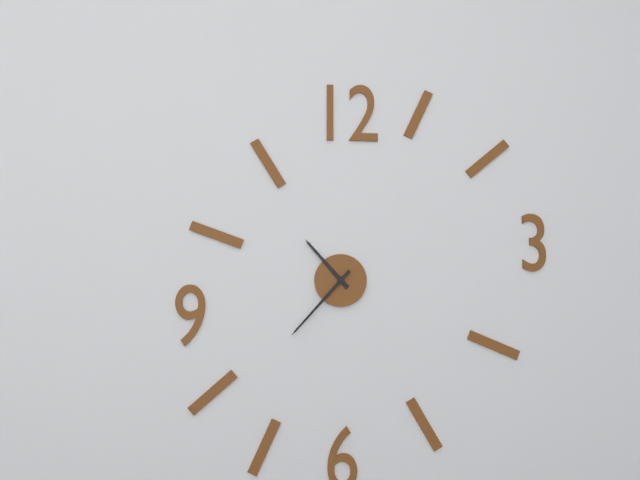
10:37
